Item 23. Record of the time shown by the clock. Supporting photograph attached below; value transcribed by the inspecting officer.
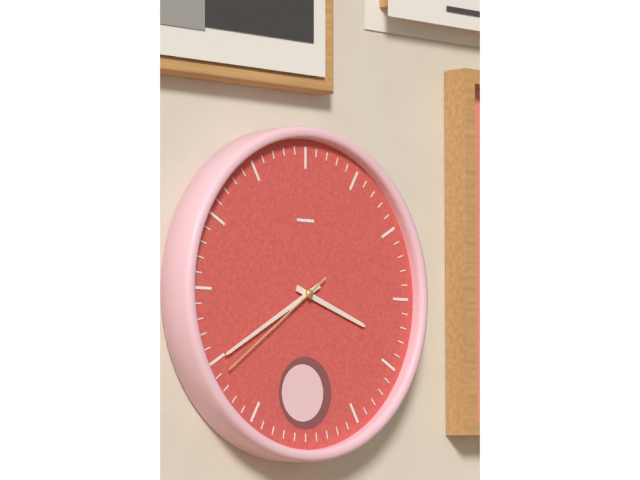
3:40:39
